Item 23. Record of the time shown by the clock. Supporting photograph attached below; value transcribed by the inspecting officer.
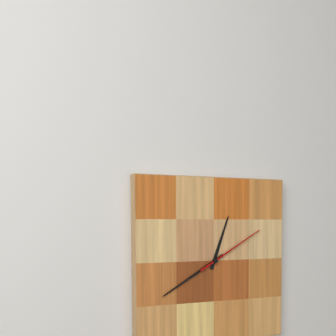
12:40:10
